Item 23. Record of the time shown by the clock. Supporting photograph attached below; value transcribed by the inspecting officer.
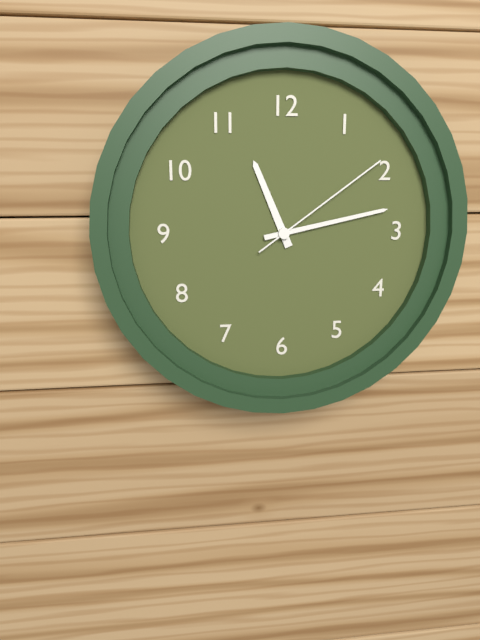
11:13:09
